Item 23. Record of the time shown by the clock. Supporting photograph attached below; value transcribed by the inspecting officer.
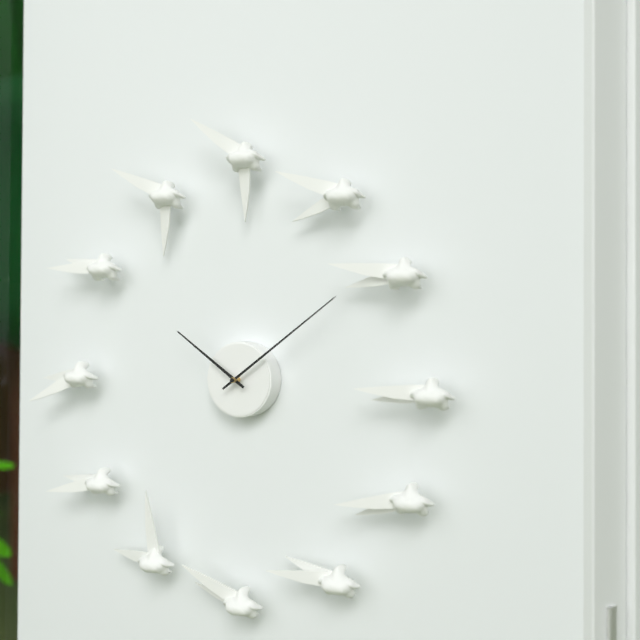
10:09
